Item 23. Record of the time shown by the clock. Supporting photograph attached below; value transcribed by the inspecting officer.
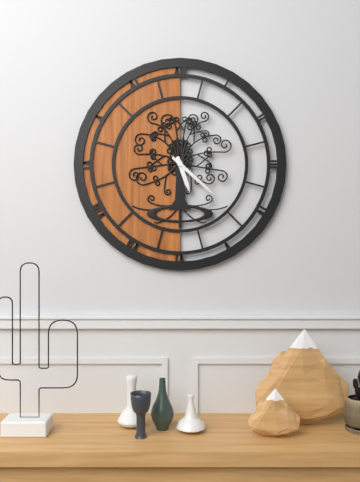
5:22
